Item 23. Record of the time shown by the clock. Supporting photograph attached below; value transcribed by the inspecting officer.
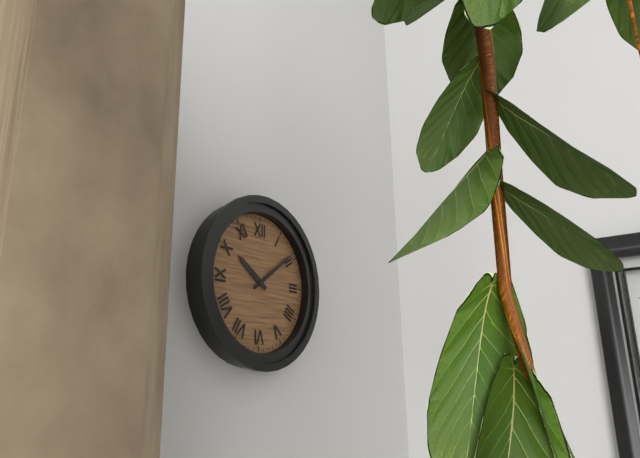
10:09
